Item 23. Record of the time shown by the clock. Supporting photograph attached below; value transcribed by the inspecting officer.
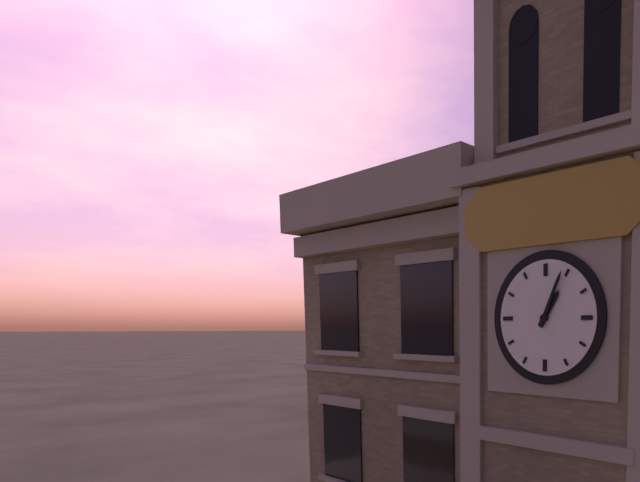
1:04
